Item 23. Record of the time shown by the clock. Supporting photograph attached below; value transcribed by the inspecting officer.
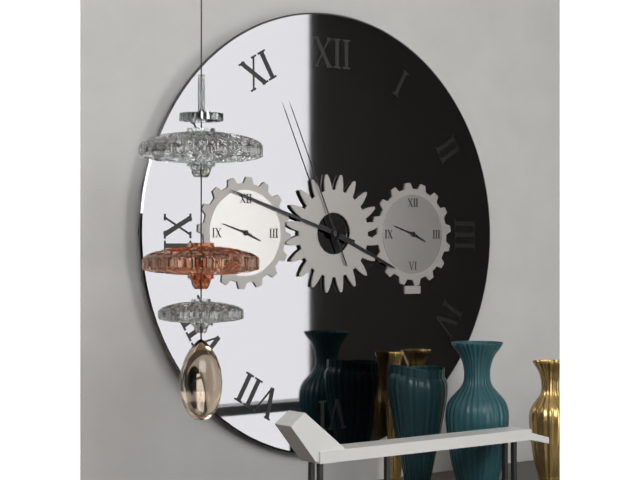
3:48:56
